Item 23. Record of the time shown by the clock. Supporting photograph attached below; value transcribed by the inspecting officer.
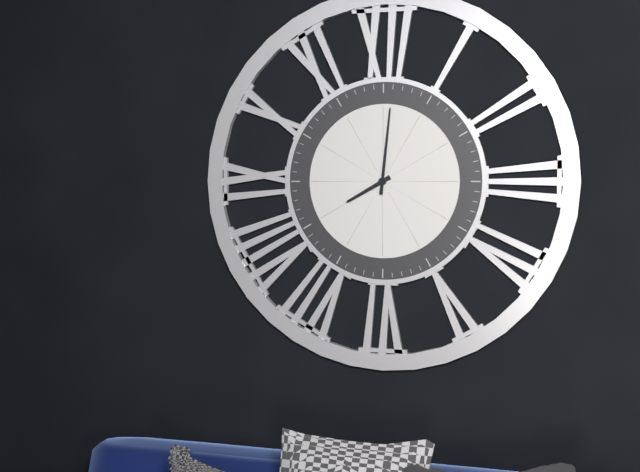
8:01
